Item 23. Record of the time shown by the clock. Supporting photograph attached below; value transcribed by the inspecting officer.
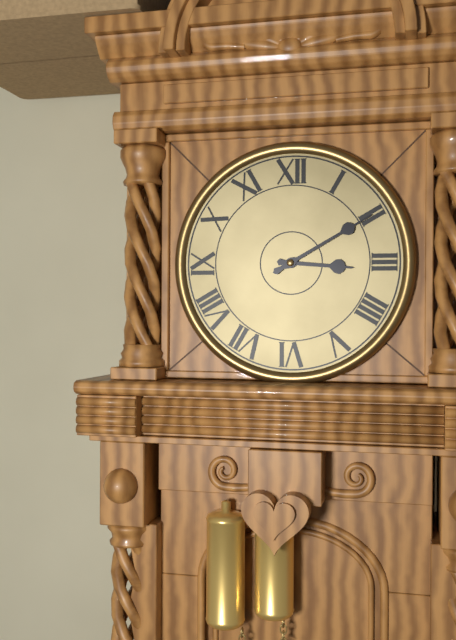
3:10
